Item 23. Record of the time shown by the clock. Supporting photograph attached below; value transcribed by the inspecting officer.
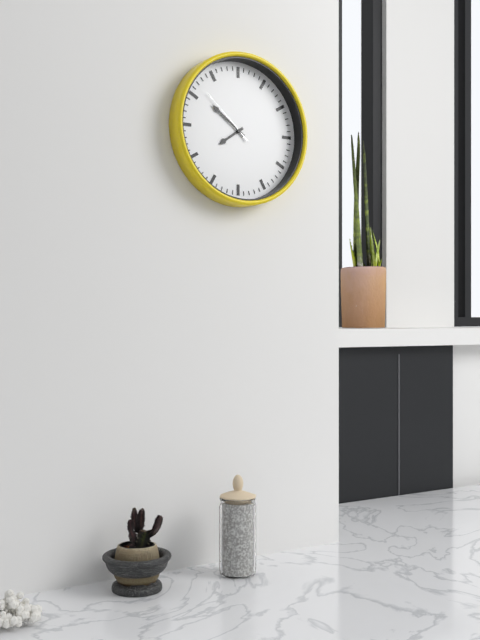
7:51:52
